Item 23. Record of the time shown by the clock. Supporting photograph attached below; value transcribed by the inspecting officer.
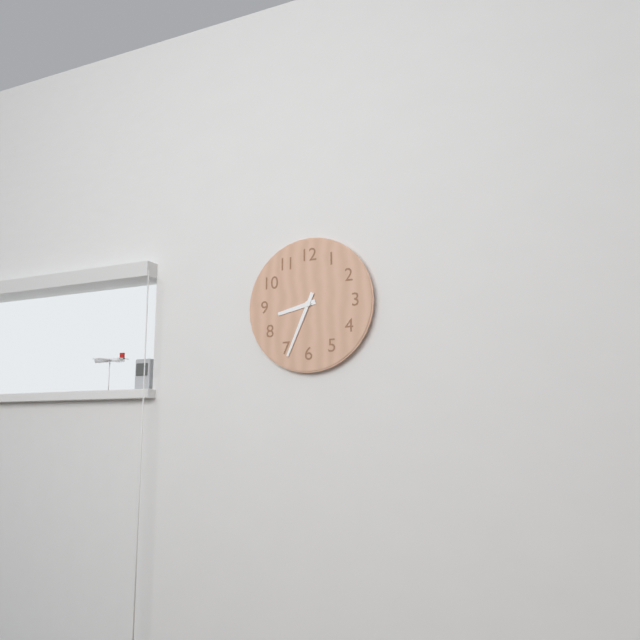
8:34
